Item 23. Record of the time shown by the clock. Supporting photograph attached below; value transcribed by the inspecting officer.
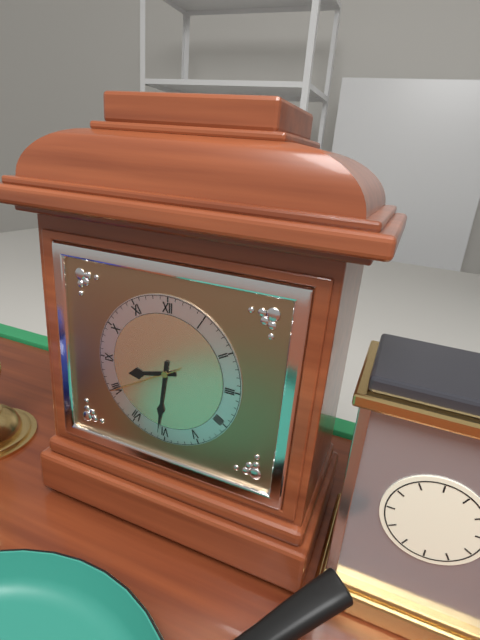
8:31:40
